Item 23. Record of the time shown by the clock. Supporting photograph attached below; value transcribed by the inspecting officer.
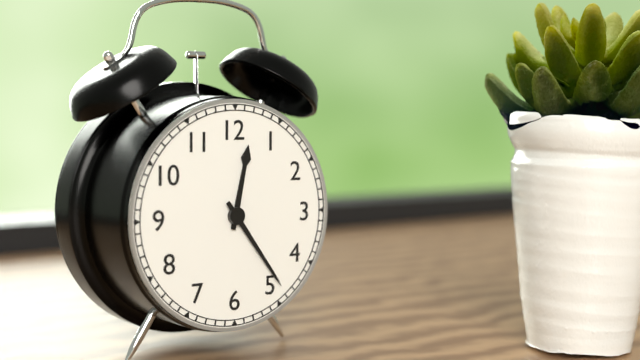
12:24
